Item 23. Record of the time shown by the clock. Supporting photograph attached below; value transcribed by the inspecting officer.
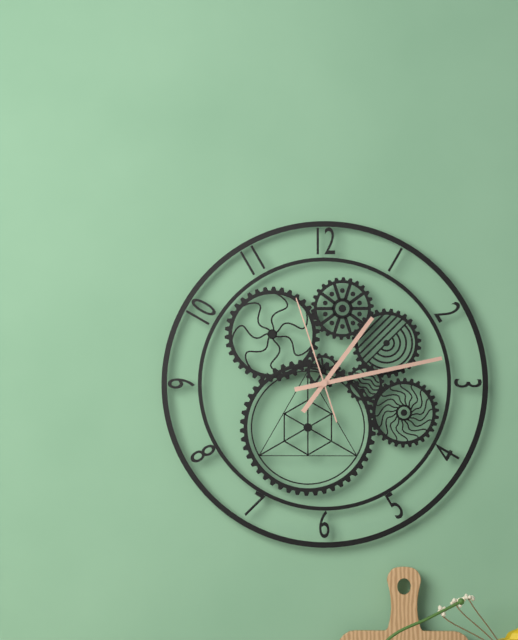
1:13:57
